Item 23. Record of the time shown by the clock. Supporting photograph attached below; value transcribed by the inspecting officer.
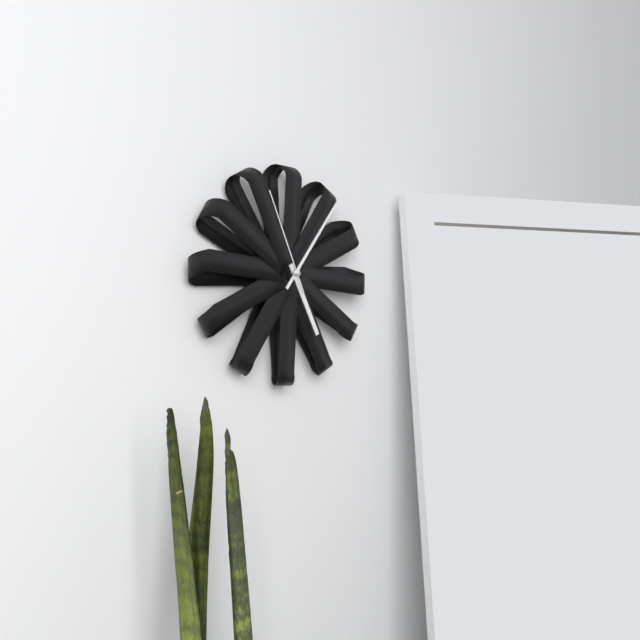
5:06:56
